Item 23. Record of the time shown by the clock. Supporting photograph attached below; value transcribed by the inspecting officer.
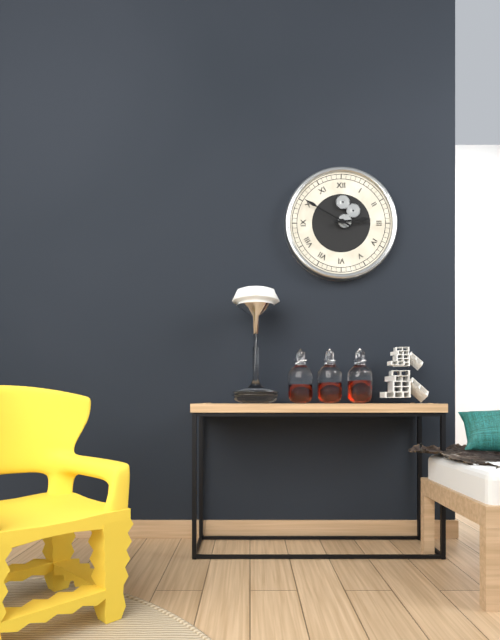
2:50
